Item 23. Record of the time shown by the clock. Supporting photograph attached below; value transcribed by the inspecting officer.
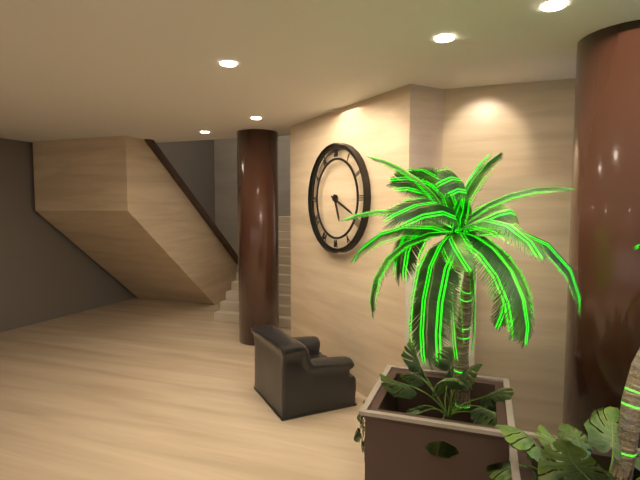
5:19
